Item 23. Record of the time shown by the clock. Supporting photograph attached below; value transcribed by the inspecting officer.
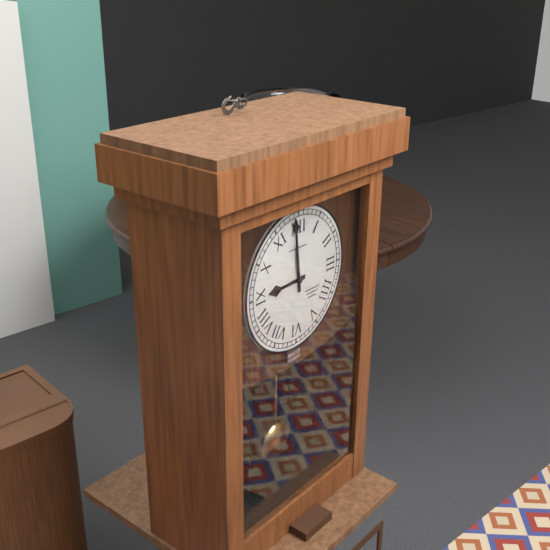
8:59
